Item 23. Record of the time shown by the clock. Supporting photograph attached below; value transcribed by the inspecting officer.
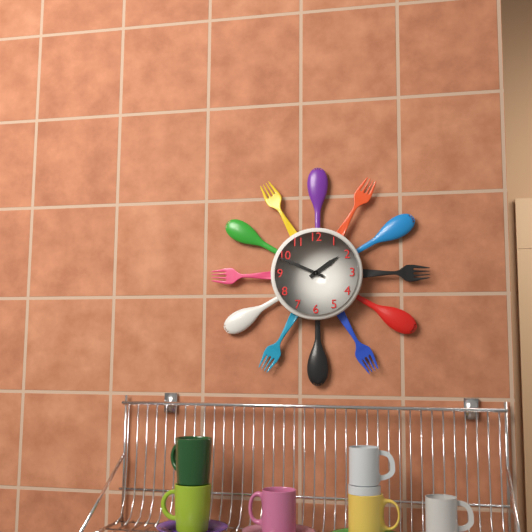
1:49
